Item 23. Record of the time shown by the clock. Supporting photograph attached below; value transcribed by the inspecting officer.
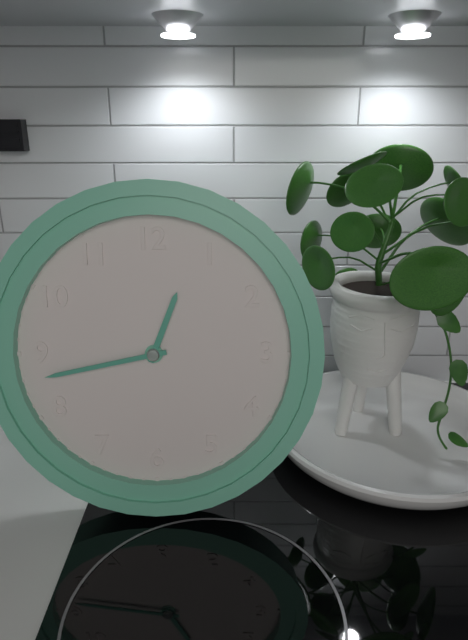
12:43
